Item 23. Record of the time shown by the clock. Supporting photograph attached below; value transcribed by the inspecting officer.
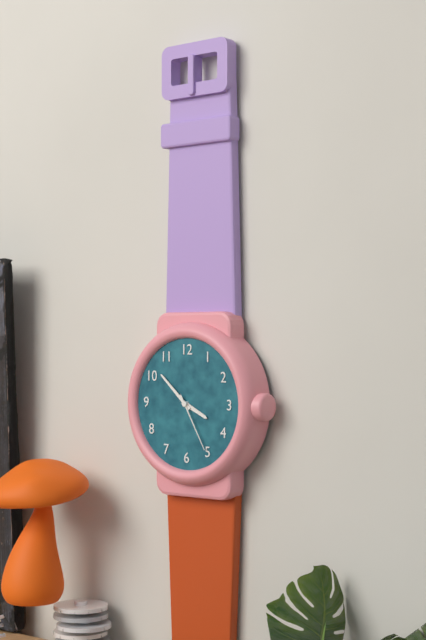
3:52:25
